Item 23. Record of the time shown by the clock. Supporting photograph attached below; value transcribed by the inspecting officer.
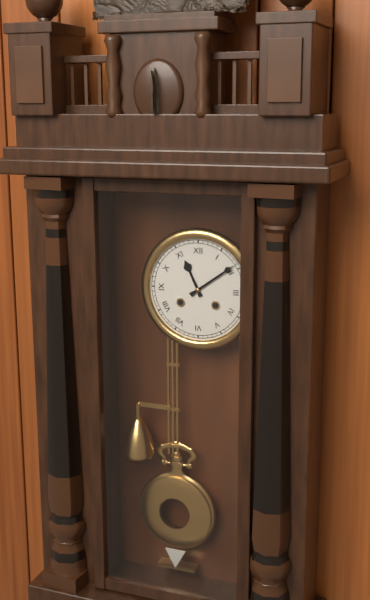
11:09
